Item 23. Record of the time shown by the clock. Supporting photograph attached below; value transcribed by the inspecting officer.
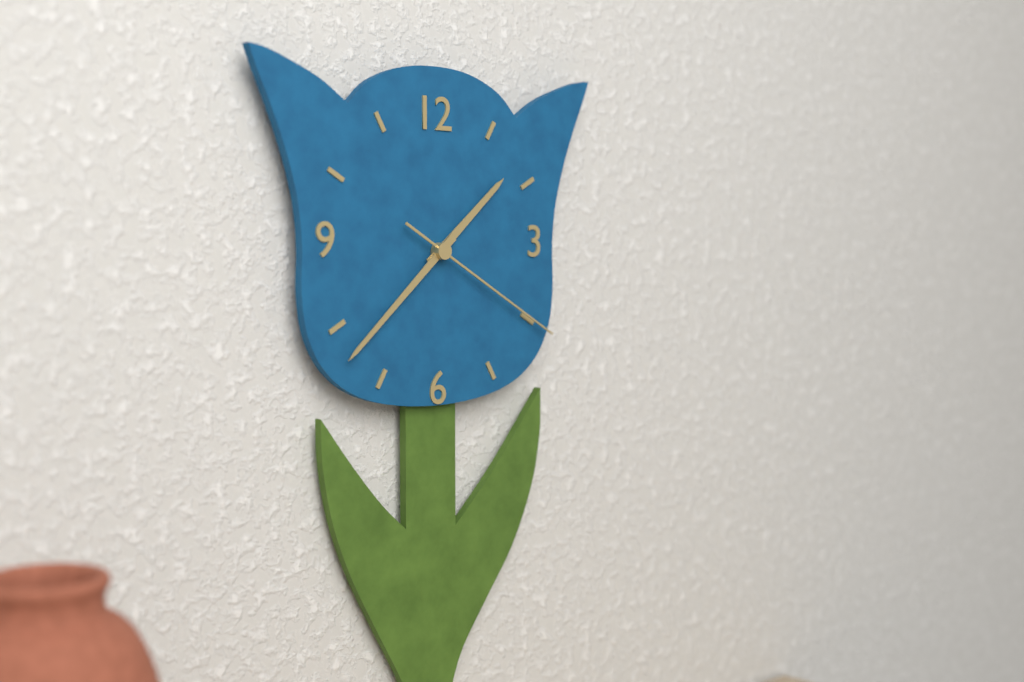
1:38:20
